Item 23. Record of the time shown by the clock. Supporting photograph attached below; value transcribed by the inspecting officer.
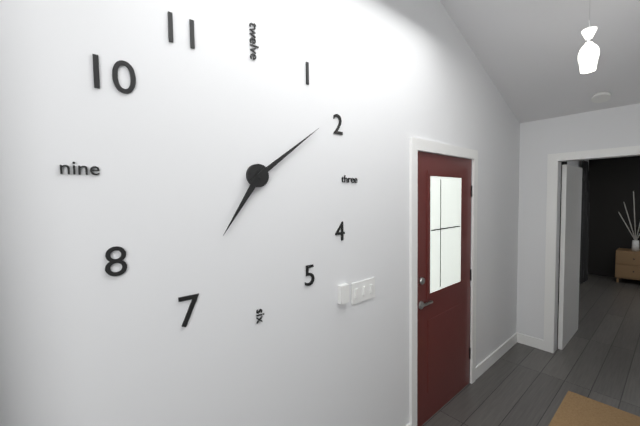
7:09
